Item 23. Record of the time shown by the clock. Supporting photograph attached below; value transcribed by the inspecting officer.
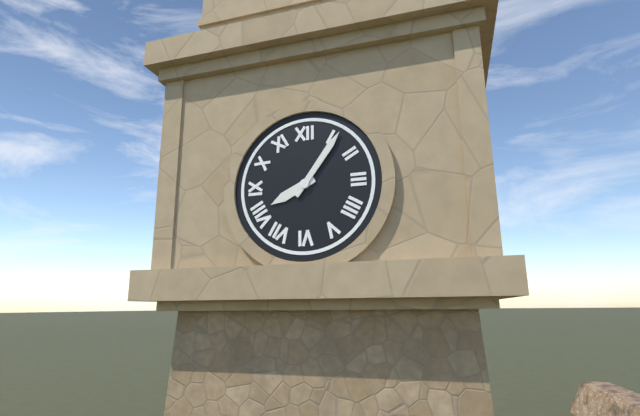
8:06
